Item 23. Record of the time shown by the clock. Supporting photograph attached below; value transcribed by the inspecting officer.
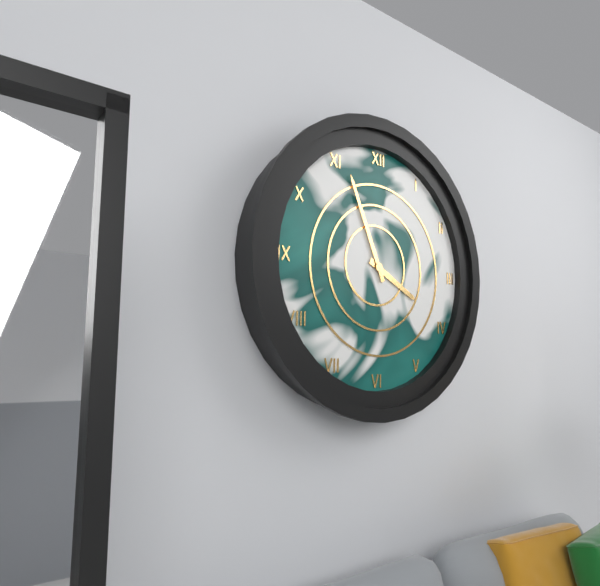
3:56
